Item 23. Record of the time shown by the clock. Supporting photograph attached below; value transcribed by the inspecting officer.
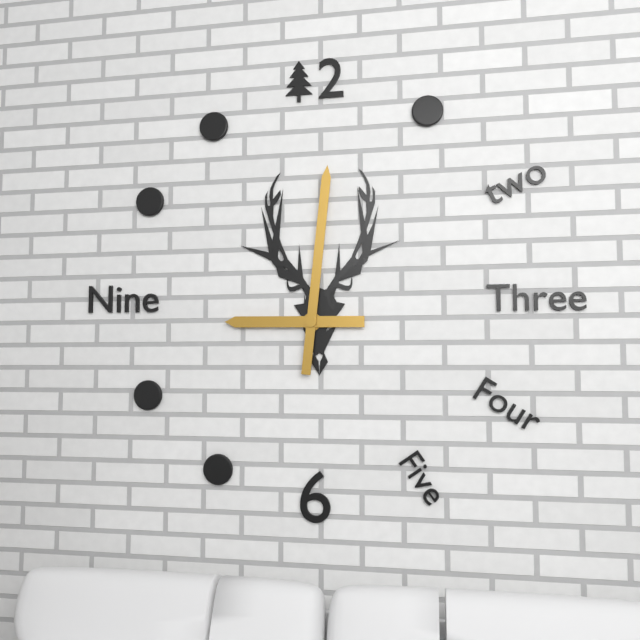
9:01
